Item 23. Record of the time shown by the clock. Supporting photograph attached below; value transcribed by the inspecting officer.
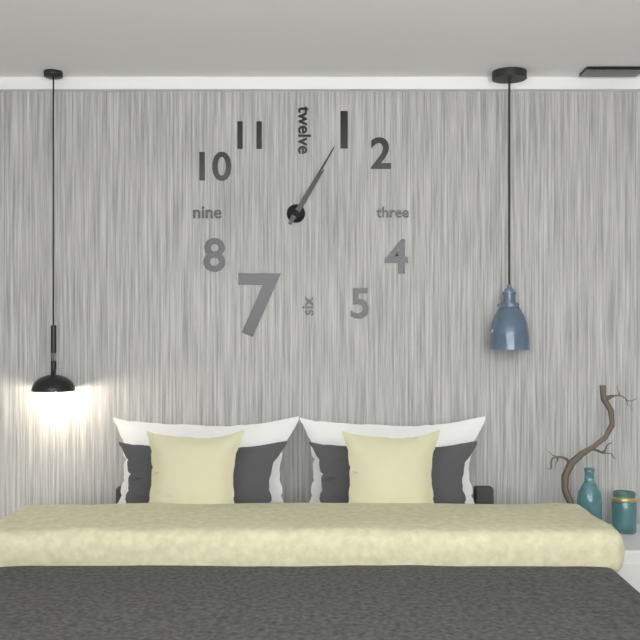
1:05
